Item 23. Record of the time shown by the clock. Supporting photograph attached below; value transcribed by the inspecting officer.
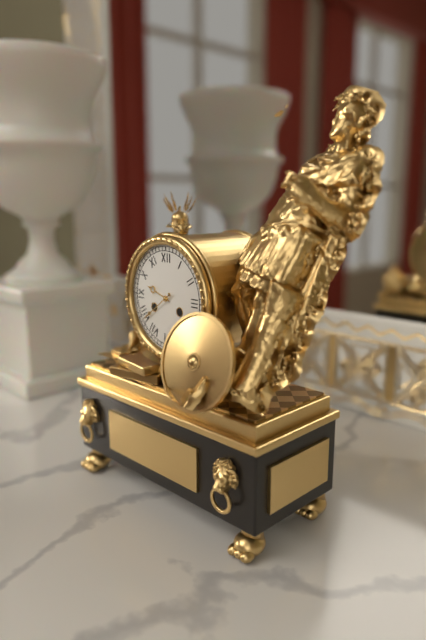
9:39
